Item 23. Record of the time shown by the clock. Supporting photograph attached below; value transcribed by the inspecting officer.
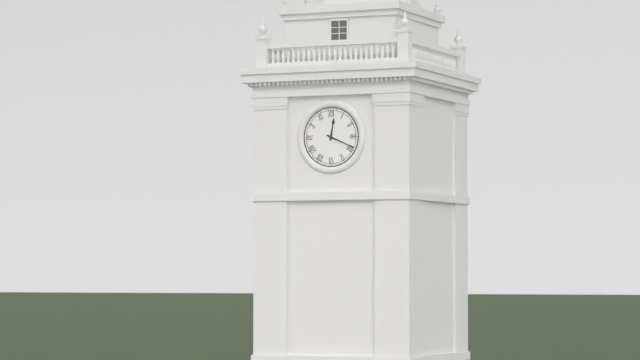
12:19
